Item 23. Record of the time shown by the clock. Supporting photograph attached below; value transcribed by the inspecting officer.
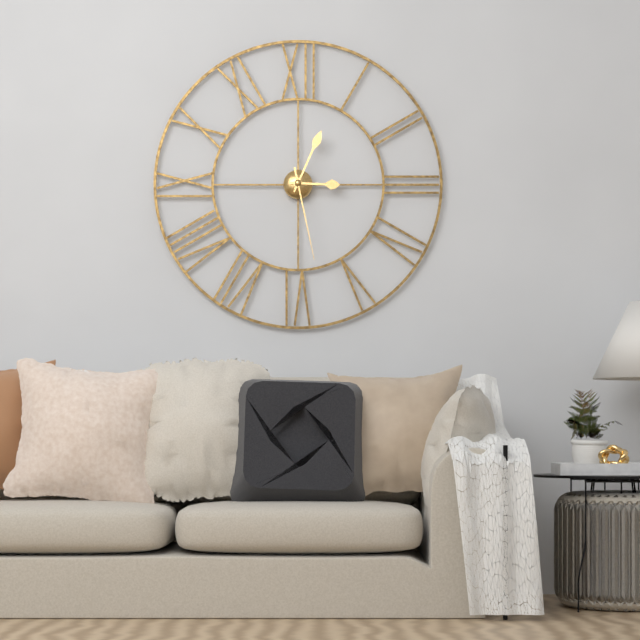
3:04:28
